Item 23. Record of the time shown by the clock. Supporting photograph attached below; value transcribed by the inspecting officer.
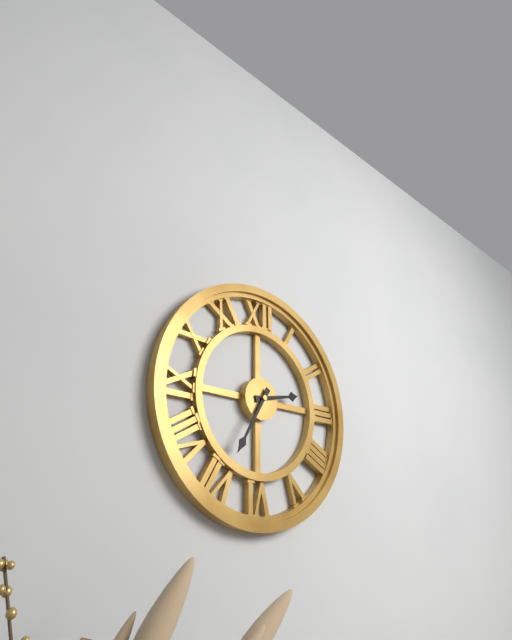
2:35
